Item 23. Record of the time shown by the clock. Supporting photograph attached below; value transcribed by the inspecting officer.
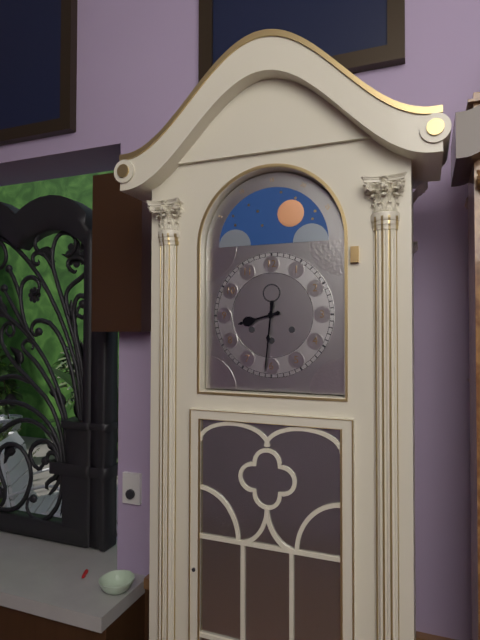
8:31
